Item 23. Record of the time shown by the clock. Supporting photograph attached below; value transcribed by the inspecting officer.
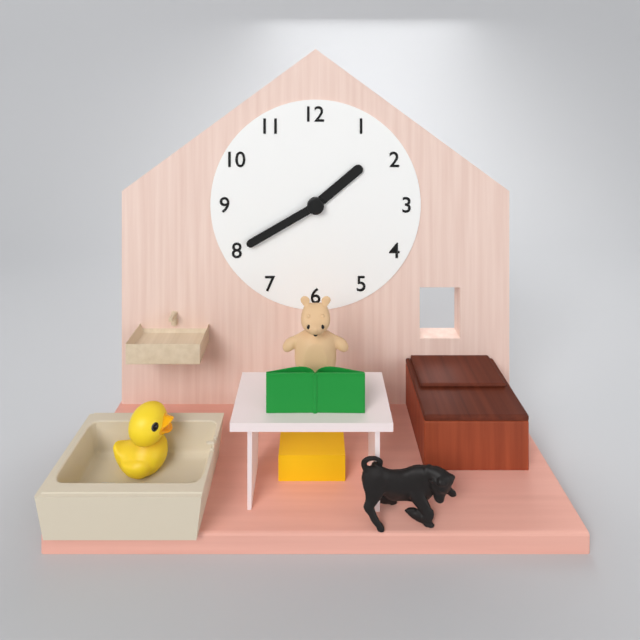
1:40
